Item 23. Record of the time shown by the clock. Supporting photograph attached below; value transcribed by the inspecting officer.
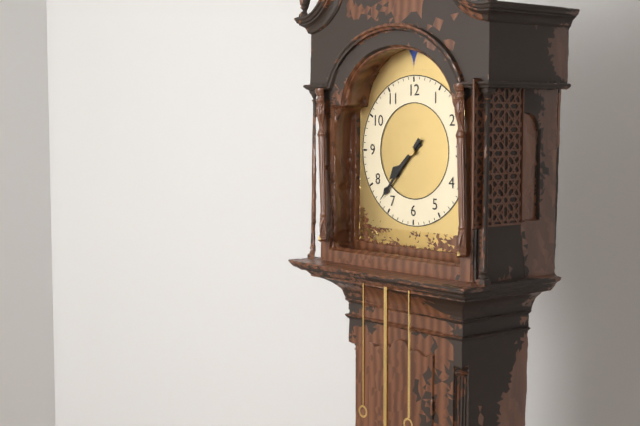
7:37
